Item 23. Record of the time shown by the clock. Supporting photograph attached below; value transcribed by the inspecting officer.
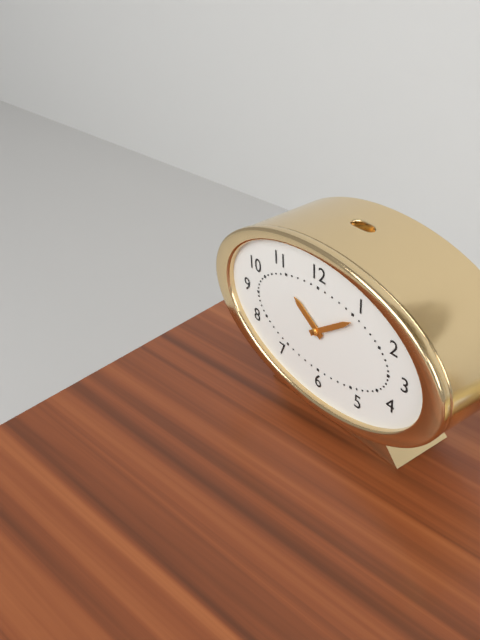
10:09
